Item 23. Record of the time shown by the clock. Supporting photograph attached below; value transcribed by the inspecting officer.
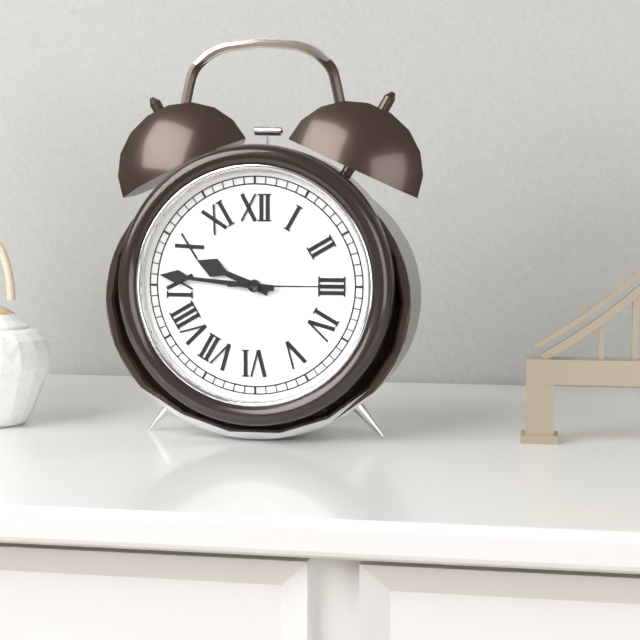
9:46:15
